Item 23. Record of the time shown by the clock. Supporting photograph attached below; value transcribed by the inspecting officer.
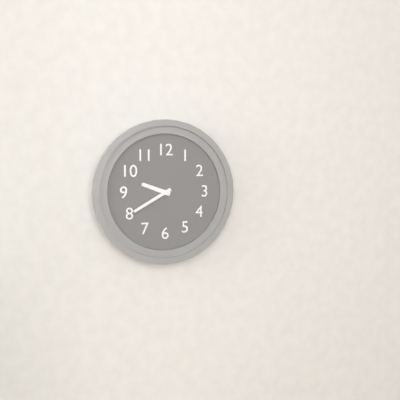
9:40
